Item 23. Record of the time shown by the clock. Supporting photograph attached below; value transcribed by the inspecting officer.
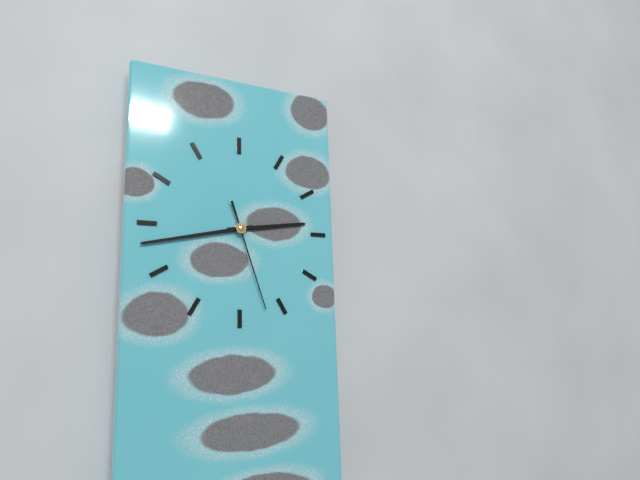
2:43:27
